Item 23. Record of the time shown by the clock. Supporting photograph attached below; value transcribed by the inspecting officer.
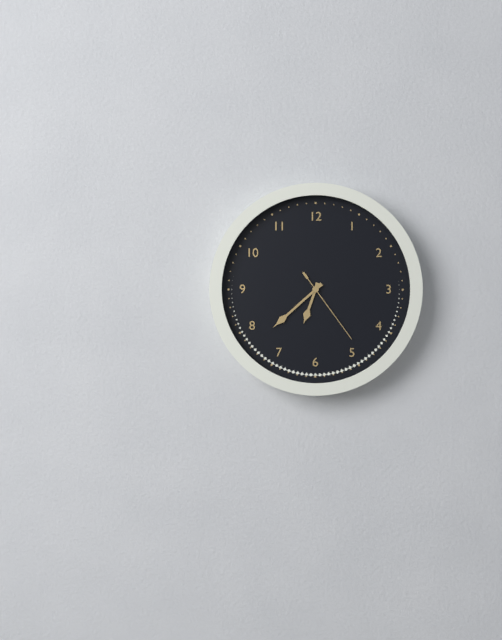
6:38:24
